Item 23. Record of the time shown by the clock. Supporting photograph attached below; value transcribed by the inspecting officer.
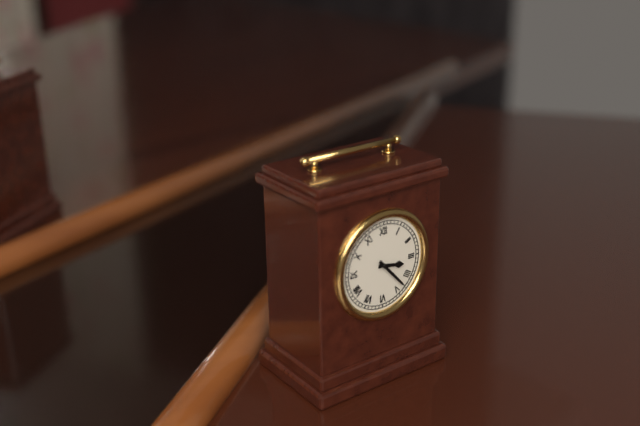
3:23
